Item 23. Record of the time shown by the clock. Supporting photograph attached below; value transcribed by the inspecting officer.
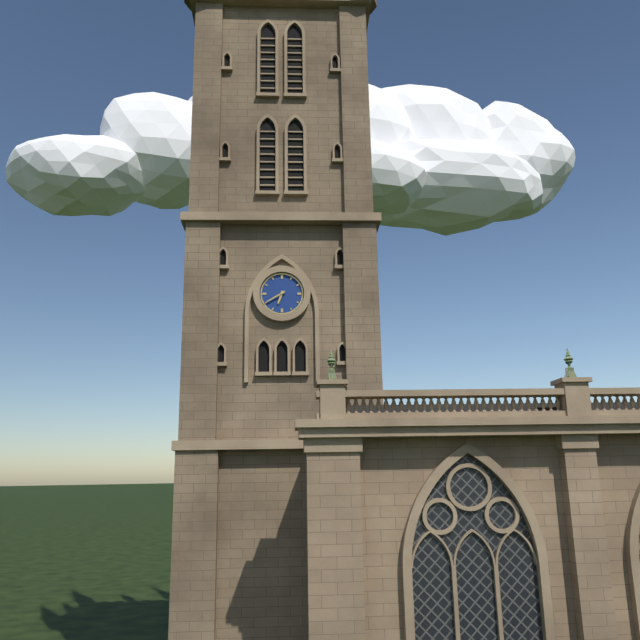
6:40
